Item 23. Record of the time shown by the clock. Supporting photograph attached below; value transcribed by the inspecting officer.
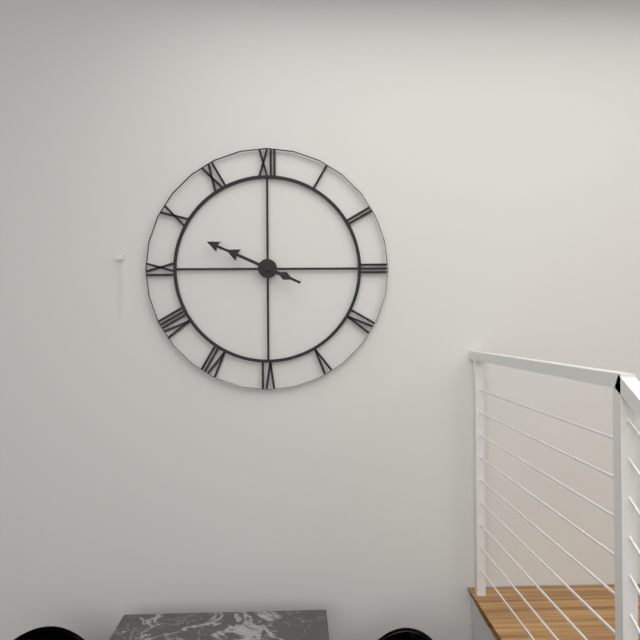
9:49
